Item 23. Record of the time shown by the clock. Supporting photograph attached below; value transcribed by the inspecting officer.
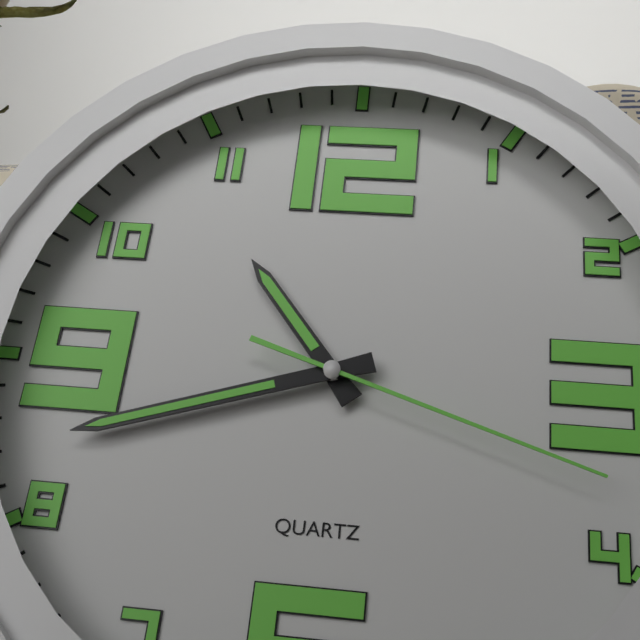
10:42:18
